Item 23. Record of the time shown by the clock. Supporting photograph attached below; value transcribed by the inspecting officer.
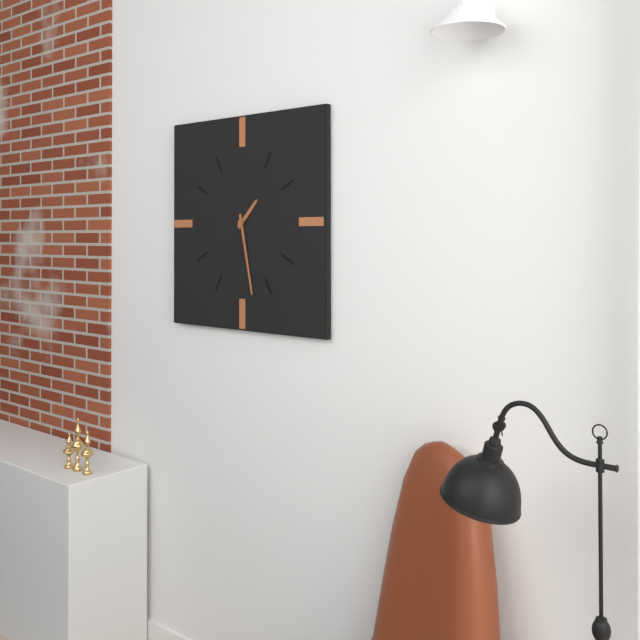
1:28
